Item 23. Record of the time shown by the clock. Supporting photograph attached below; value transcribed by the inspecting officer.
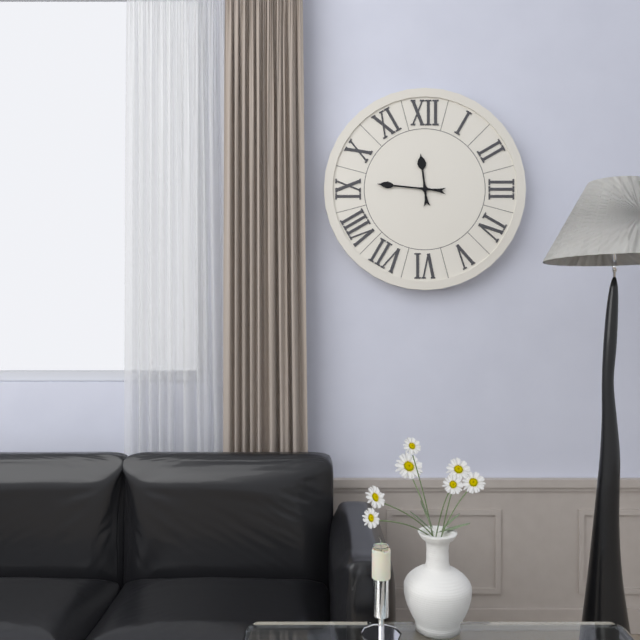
11:46
